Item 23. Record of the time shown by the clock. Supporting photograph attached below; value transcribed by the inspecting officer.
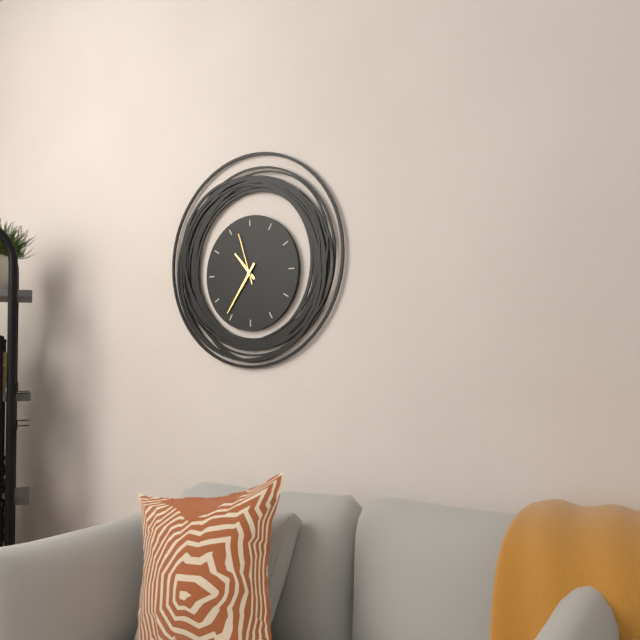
10:36:57
